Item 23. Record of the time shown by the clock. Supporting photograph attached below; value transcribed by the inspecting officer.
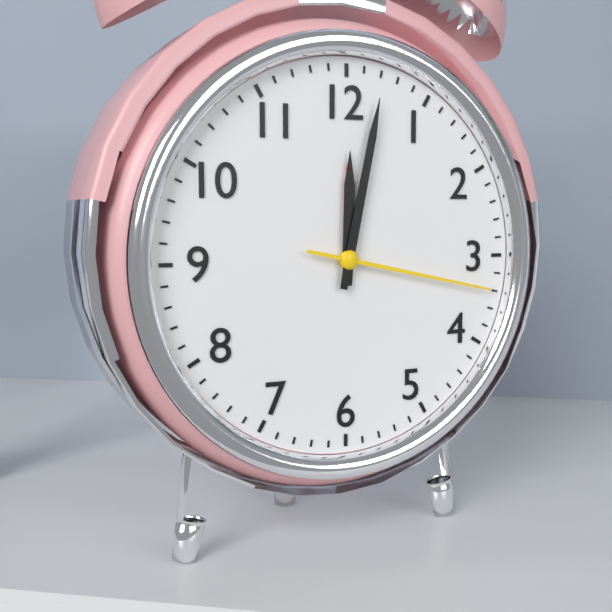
12:02:17
